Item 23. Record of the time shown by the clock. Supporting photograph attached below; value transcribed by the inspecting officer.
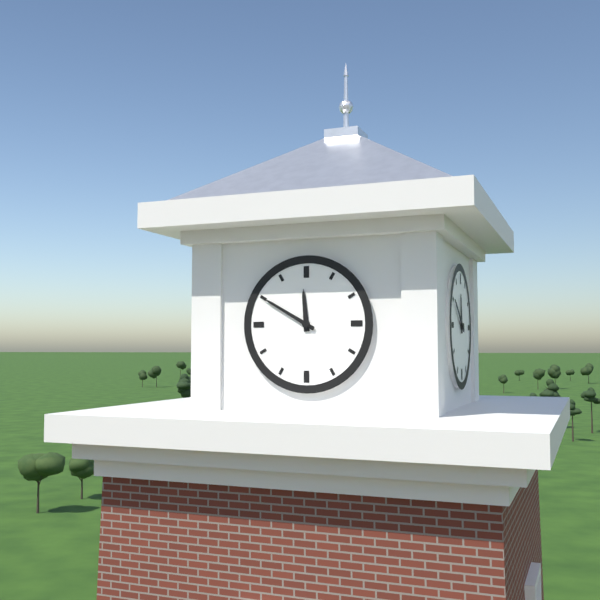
11:50
